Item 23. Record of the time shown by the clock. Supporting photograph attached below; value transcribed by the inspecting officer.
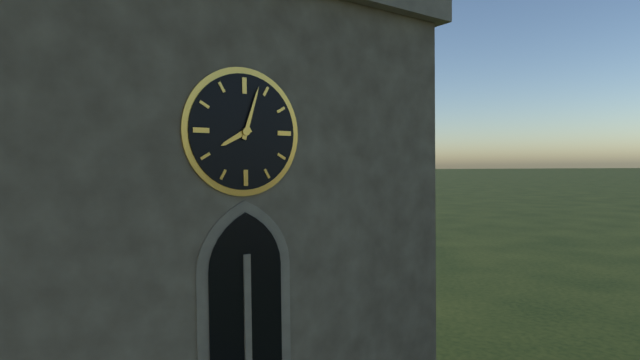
8:03
